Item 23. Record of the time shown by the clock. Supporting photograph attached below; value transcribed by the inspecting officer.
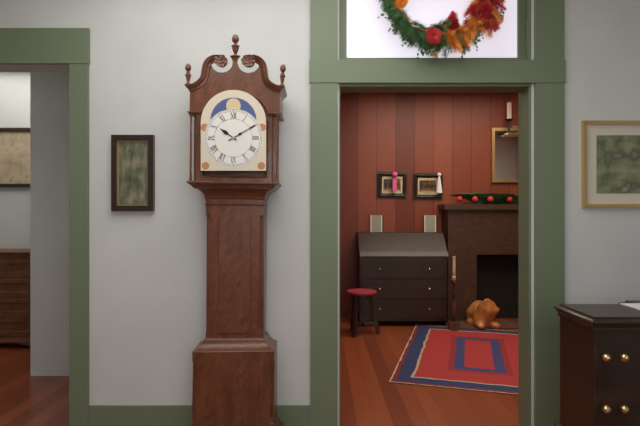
10:10
